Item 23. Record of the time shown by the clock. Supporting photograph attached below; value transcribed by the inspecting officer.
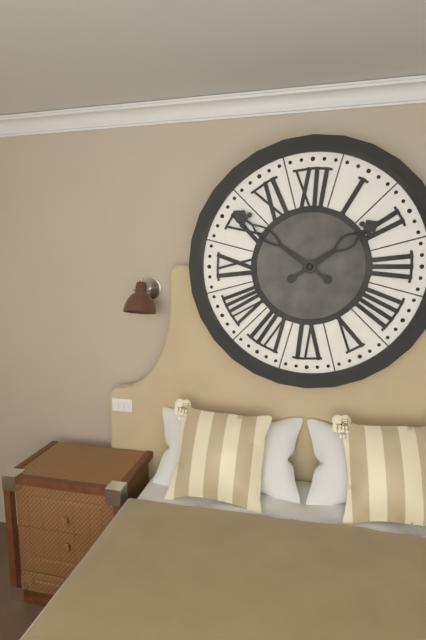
1:51
